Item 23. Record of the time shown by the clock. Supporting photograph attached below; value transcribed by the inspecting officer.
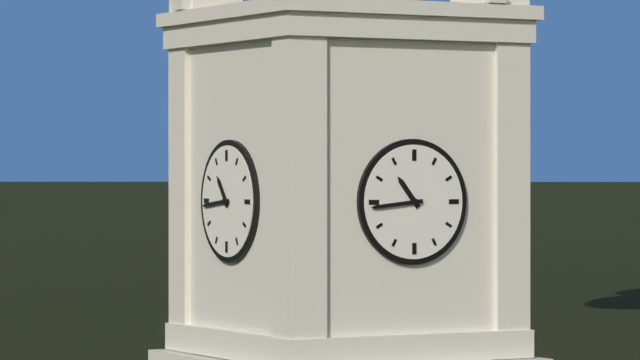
10:44
